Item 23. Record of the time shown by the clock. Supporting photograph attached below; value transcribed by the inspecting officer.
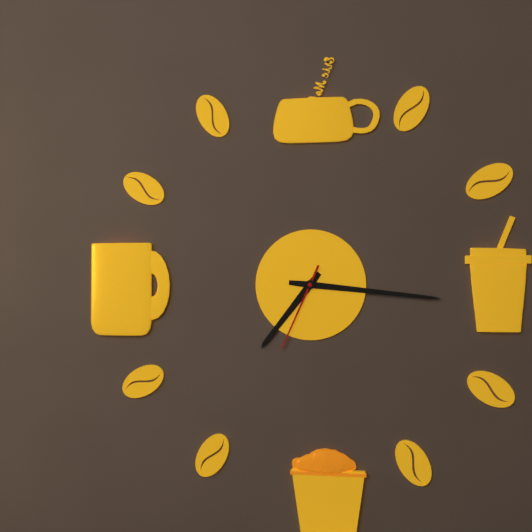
7:16:34
